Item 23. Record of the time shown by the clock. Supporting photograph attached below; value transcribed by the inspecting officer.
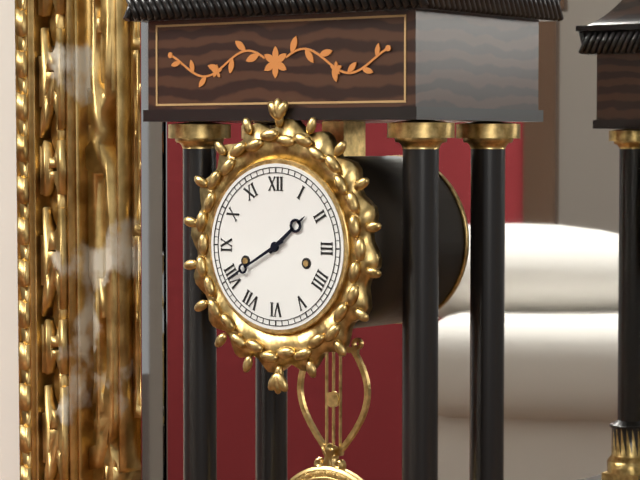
1:40
